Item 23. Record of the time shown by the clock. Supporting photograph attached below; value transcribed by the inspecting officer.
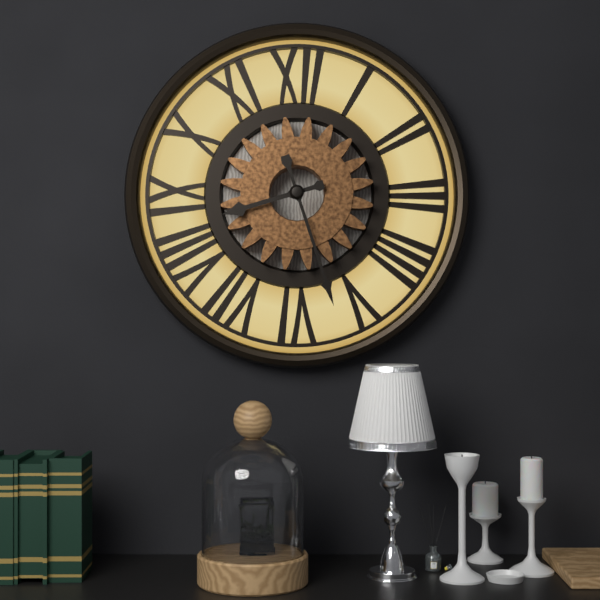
8:27
